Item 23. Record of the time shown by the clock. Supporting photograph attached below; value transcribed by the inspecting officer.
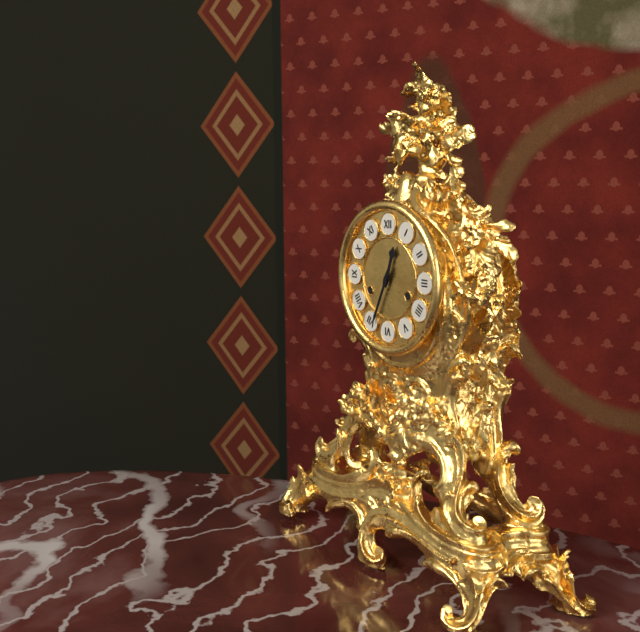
12:34
